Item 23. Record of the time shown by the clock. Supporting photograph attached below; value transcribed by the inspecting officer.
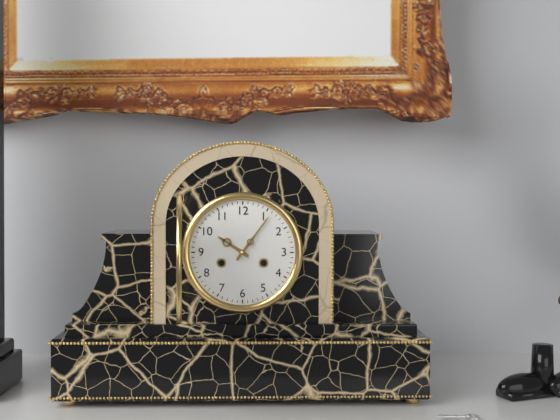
10:06
